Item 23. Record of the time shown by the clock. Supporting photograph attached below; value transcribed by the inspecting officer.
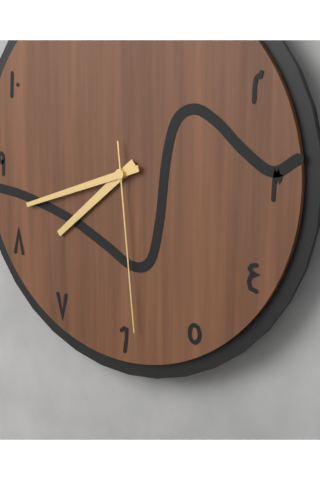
7:42:29
